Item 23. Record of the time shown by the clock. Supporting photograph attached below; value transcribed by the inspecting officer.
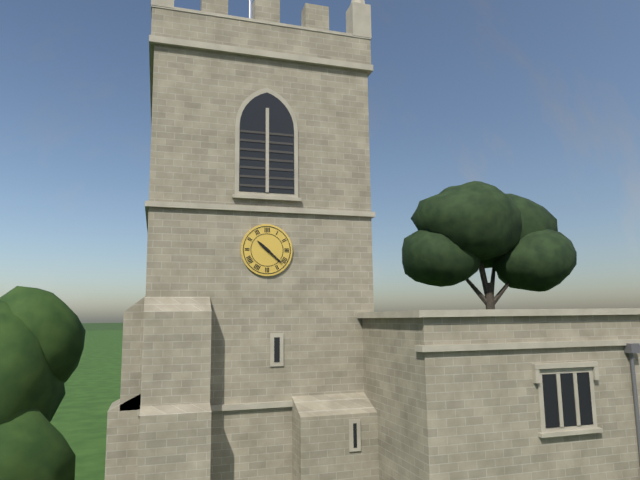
10:22
